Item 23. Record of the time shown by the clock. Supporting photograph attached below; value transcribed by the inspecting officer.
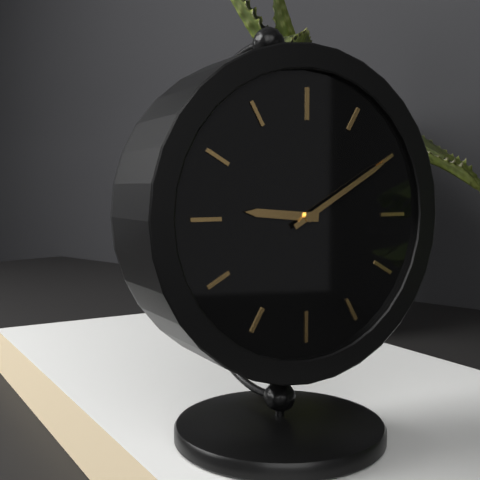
9:10
